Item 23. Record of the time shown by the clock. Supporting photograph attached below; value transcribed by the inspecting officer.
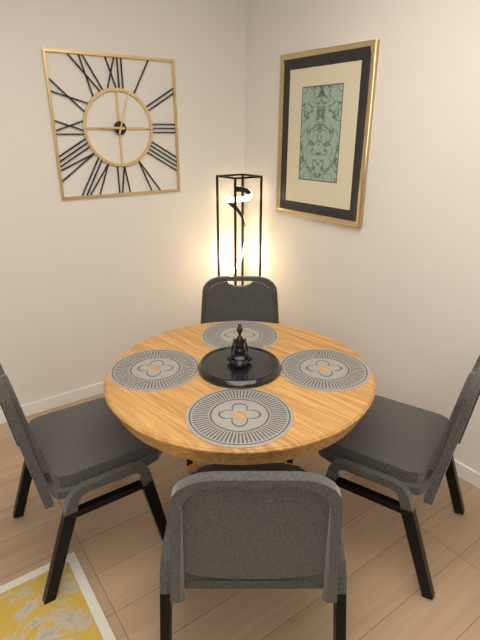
9:03
